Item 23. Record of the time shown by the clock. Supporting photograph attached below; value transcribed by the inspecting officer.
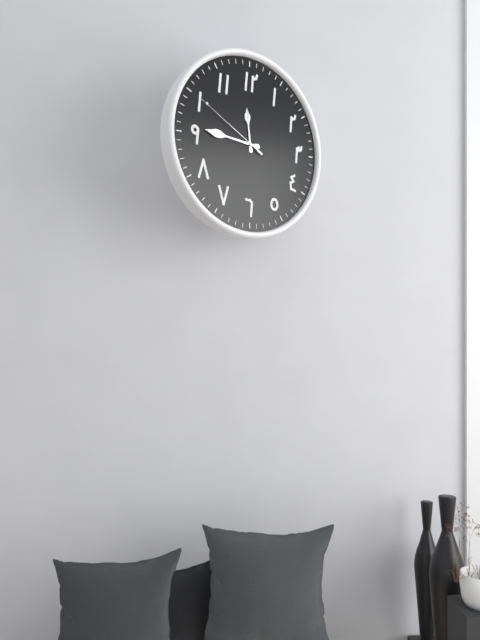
11:46:50
